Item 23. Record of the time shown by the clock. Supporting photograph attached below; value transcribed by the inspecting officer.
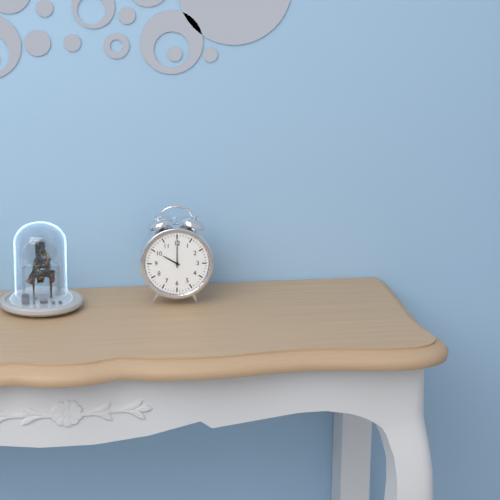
10:00
